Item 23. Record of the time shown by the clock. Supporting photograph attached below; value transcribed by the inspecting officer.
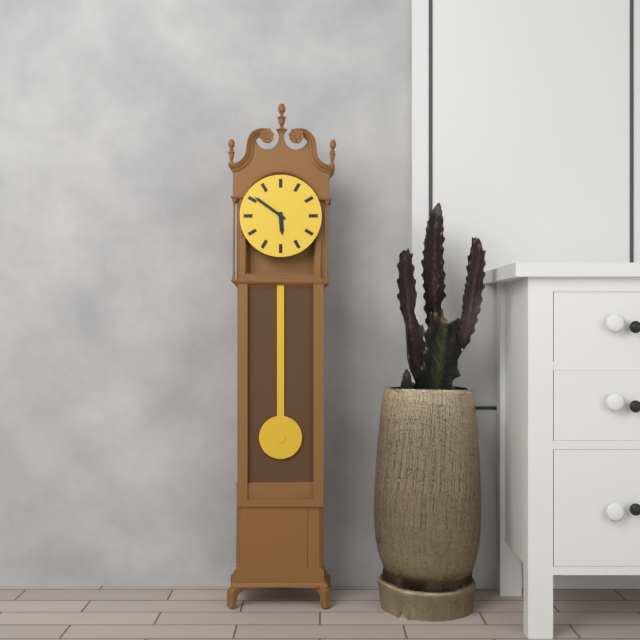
5:51
